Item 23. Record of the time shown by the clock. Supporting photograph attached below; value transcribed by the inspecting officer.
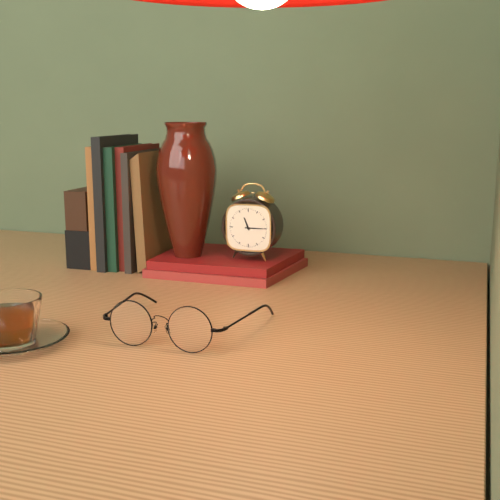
11:15
